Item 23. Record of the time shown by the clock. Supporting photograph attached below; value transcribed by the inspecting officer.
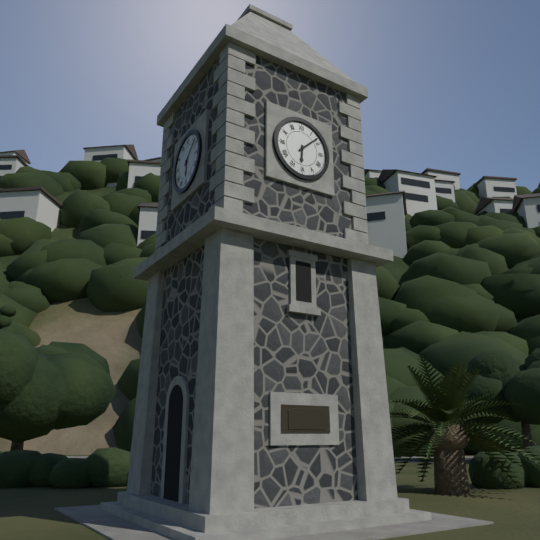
6:08
